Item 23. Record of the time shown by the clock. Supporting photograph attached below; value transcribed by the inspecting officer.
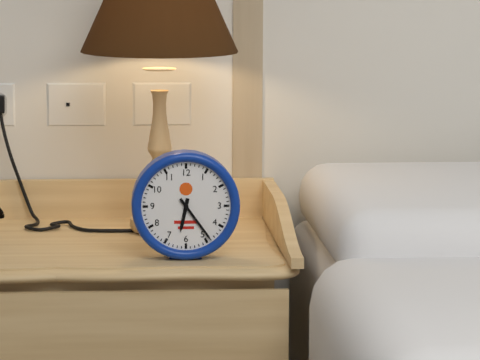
6:24
